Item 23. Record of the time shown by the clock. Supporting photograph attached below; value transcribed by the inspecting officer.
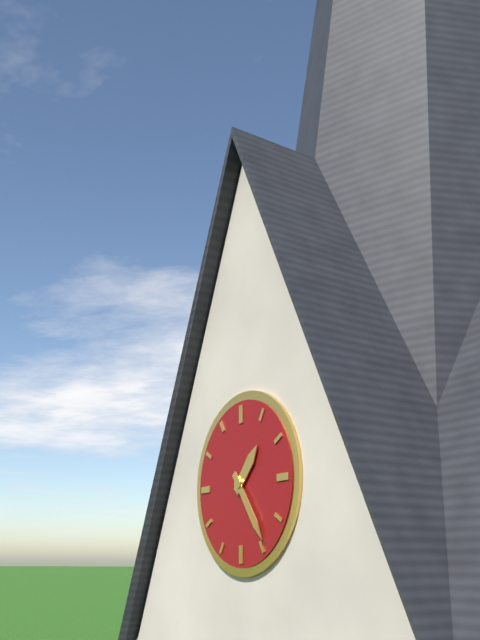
1:24
